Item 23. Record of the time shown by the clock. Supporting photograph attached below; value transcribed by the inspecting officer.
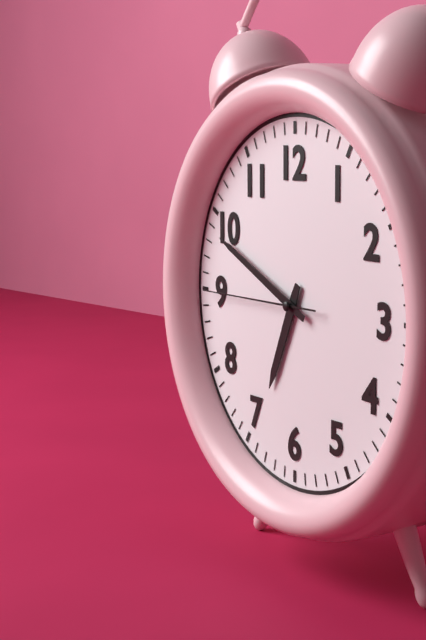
6:49:45
